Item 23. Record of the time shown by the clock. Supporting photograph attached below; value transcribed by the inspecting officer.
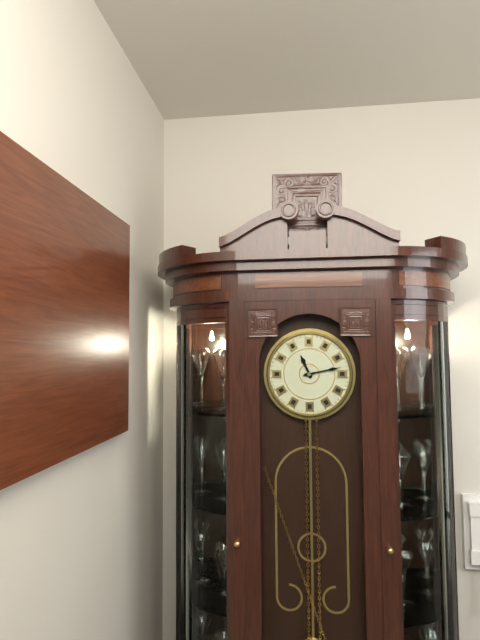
11:13
